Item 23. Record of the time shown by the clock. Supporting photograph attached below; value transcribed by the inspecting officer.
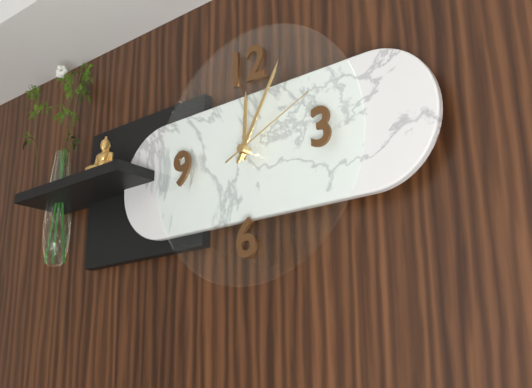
12:05:11
